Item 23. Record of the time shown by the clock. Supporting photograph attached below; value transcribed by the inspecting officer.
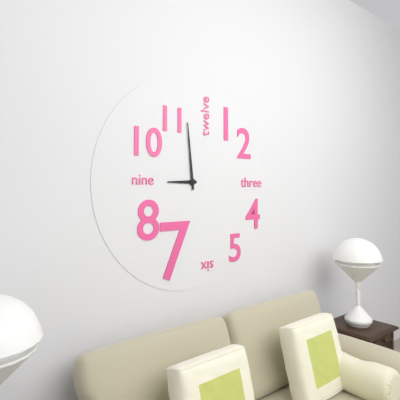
8:59
